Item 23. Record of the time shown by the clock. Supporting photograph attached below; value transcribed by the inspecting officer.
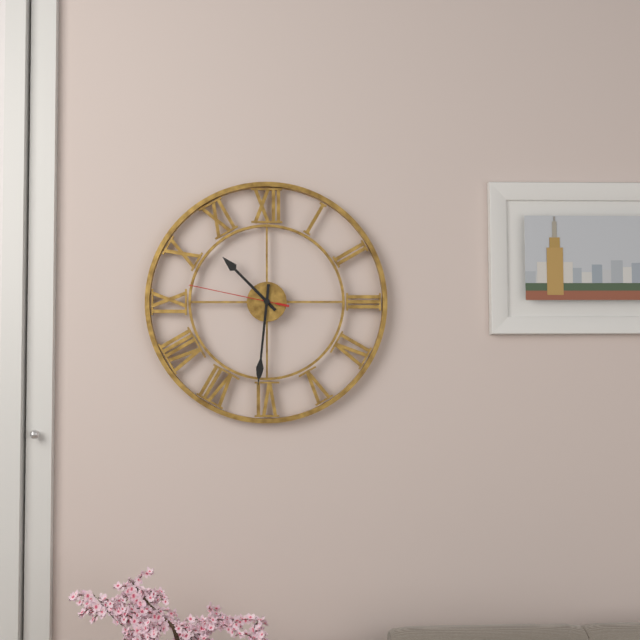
10:31:47
